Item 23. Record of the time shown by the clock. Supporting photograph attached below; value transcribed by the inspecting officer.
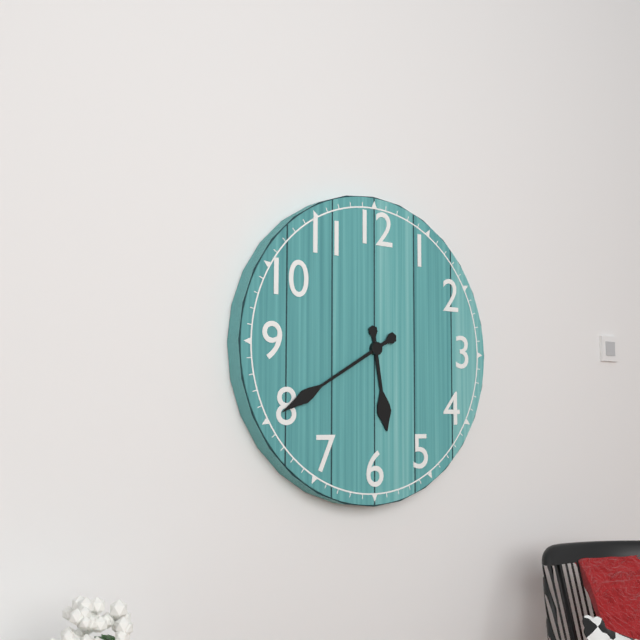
5:40
